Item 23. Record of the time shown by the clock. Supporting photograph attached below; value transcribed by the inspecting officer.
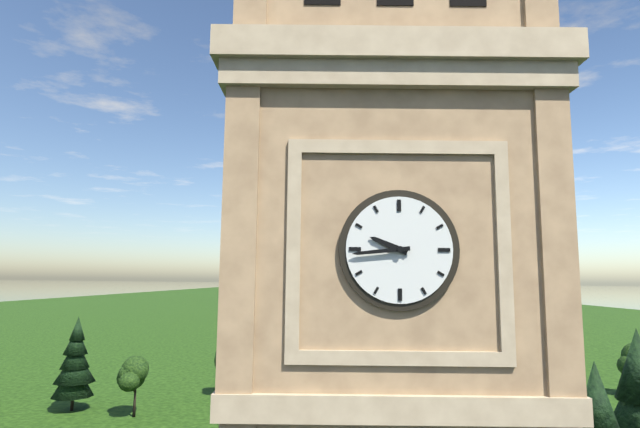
9:44
